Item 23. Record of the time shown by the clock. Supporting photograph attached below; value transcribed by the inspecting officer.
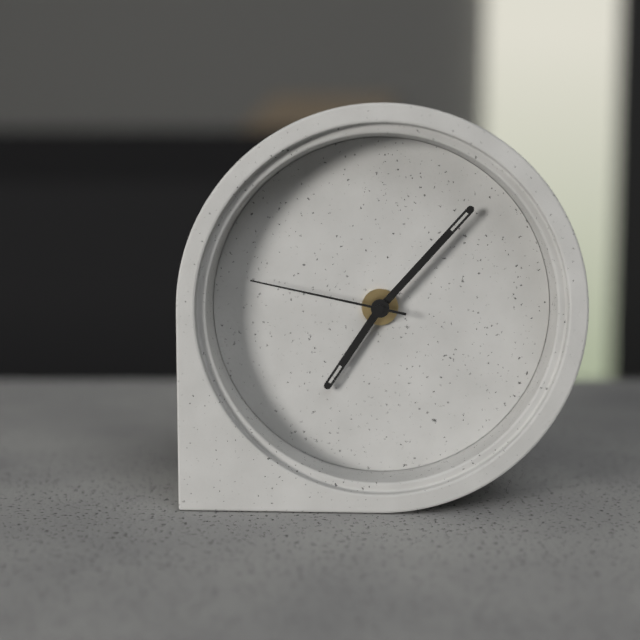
7:07:47
